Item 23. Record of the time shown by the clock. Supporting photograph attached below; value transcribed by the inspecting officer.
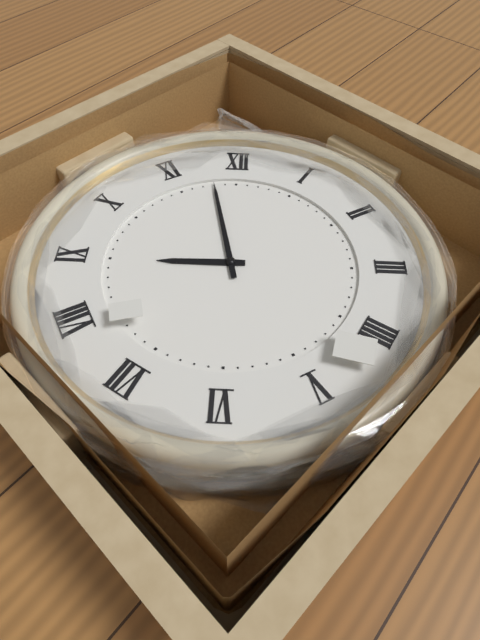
8:58
